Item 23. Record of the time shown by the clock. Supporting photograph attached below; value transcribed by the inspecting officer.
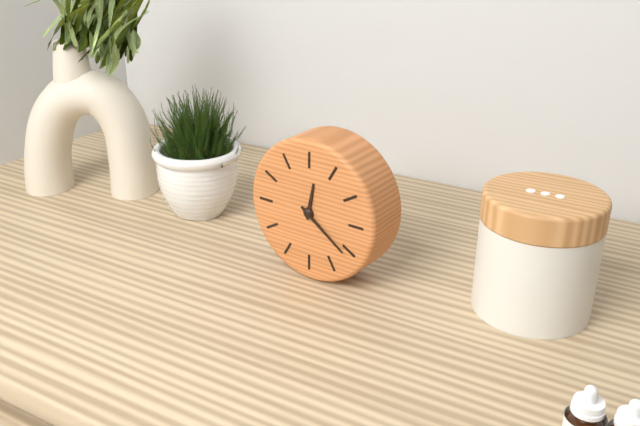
12:21
